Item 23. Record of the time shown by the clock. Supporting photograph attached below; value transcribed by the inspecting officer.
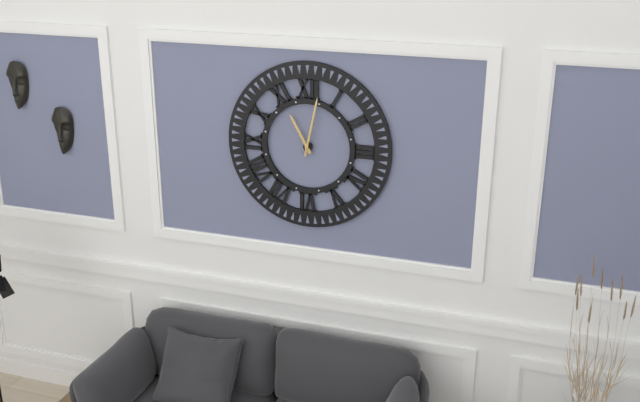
11:02
